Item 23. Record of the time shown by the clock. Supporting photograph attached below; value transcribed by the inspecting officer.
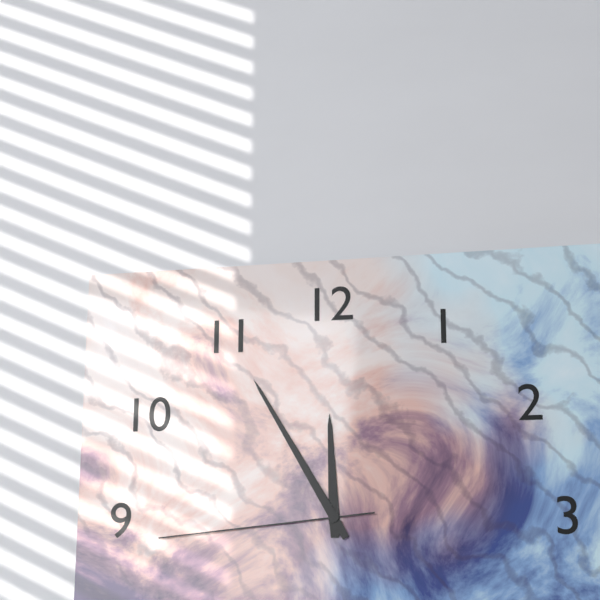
11:55:44
